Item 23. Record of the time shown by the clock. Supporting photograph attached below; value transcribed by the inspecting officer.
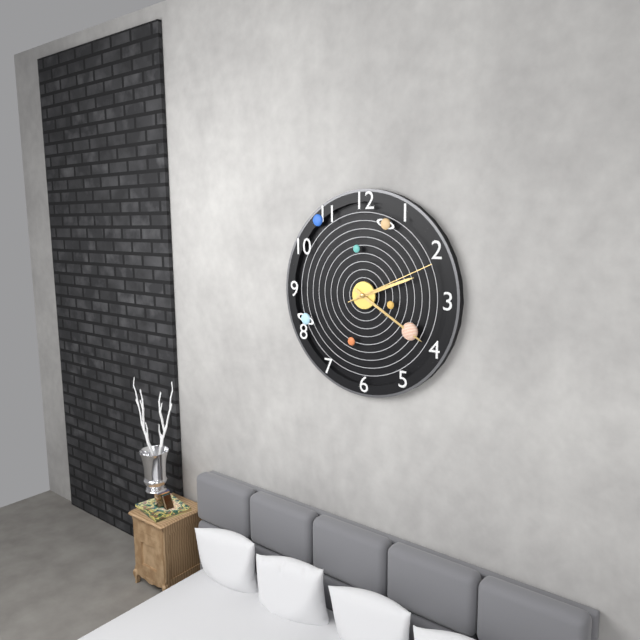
2:20:11
